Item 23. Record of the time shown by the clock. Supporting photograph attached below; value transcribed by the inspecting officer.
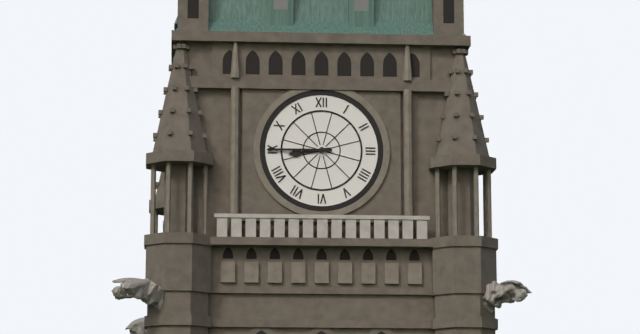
8:45
